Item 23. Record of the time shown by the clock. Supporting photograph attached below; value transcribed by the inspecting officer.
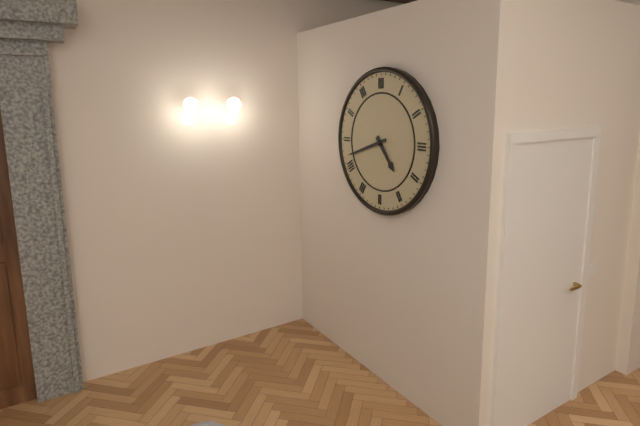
4:42
